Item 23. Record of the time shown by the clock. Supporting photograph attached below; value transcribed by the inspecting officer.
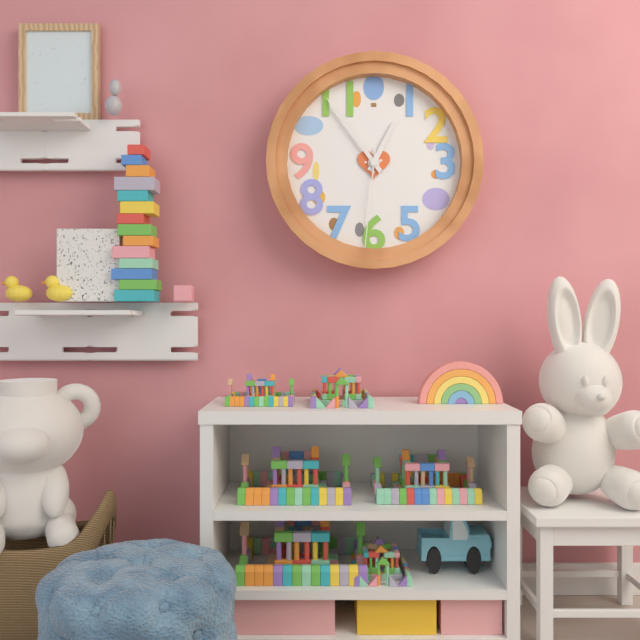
12:54:31
